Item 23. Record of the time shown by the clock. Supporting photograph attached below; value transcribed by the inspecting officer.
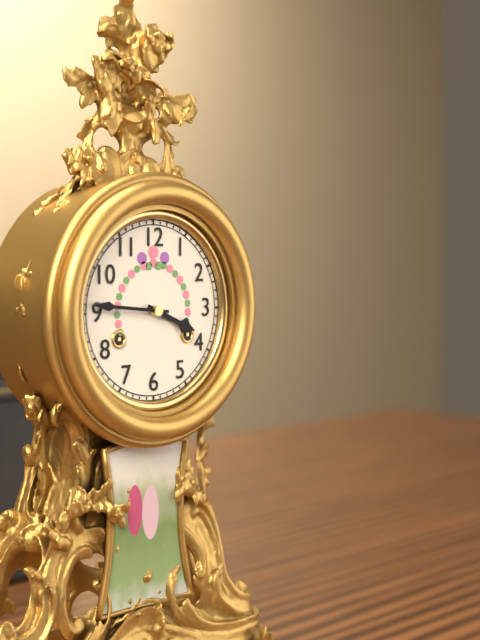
3:46
